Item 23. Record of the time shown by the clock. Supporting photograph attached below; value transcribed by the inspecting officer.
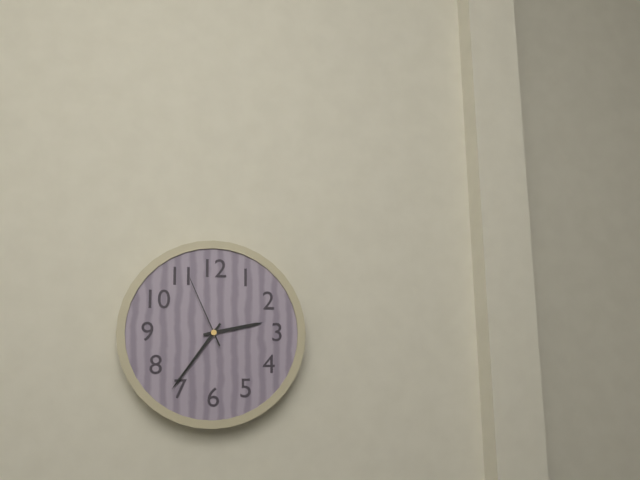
2:36:56
